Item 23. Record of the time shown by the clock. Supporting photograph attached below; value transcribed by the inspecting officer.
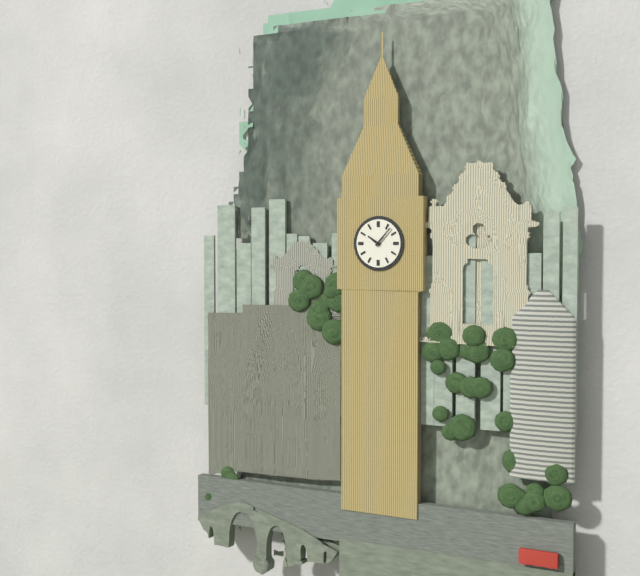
10:07
